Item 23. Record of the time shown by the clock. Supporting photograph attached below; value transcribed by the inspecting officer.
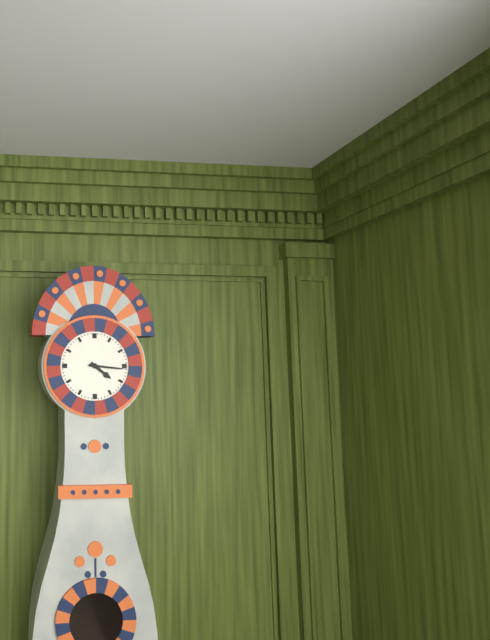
4:16
